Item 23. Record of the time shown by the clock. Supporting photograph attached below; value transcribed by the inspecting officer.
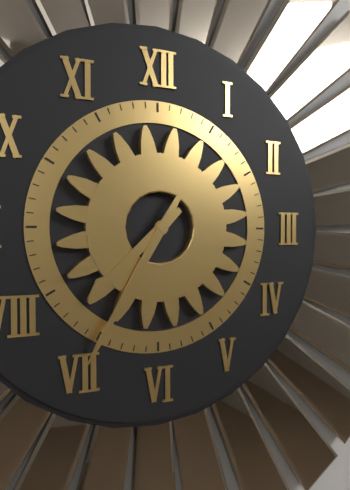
7:35
